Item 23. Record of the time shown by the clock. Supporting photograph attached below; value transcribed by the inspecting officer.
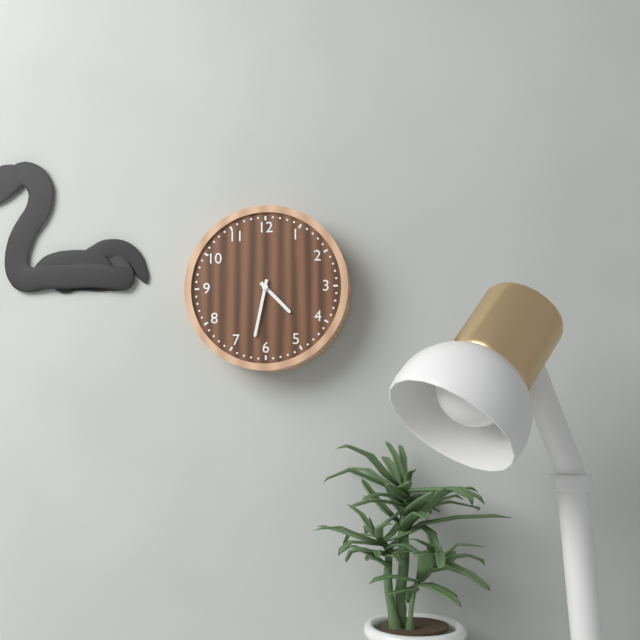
4:32
